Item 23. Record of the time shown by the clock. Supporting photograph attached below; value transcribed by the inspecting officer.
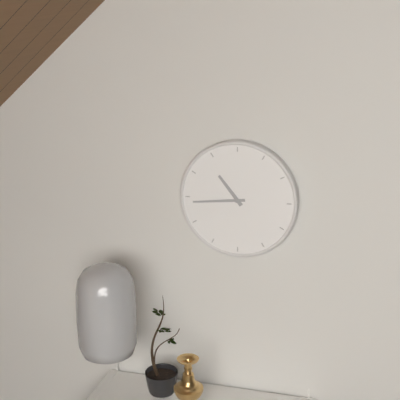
10:44
